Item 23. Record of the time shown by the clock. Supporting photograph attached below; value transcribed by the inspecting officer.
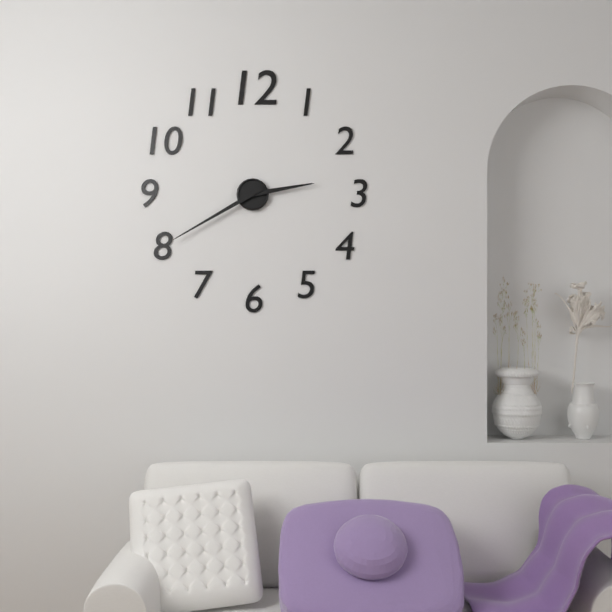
2:40
